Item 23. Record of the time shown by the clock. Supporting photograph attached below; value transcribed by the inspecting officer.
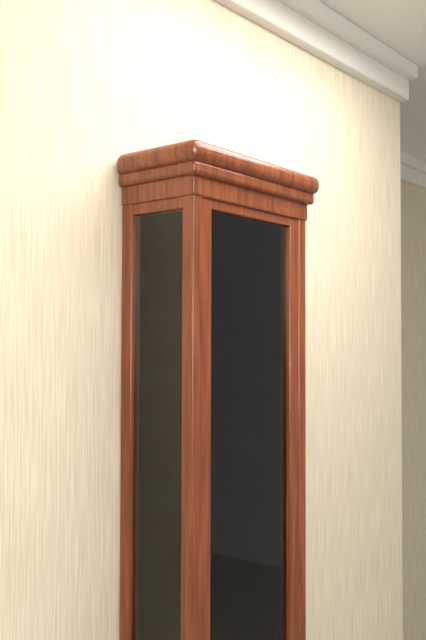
7:31
